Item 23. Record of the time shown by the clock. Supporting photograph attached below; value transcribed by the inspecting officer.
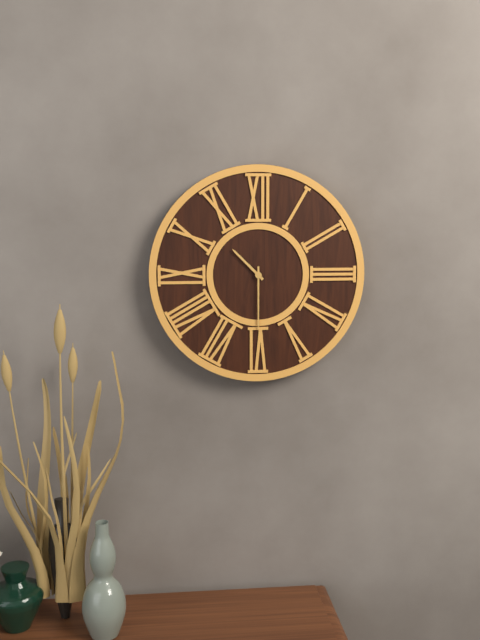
10:30
